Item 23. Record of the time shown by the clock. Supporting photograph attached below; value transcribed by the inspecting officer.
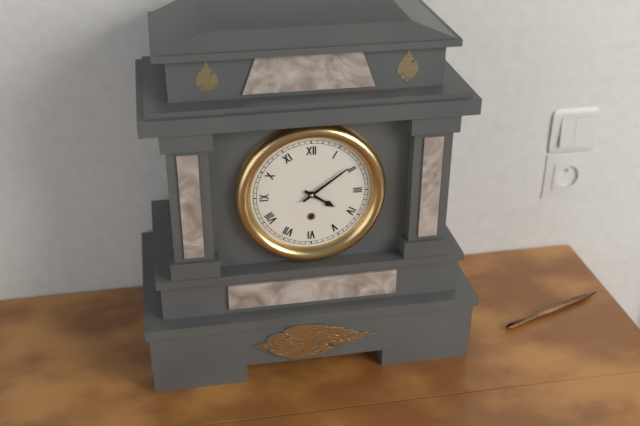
4:09
